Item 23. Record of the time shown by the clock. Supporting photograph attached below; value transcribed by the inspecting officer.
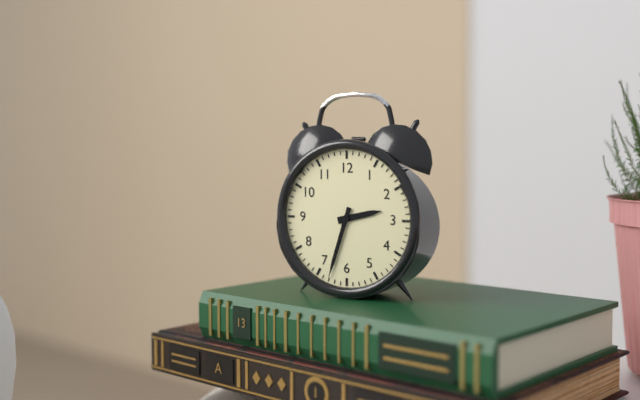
2:33
